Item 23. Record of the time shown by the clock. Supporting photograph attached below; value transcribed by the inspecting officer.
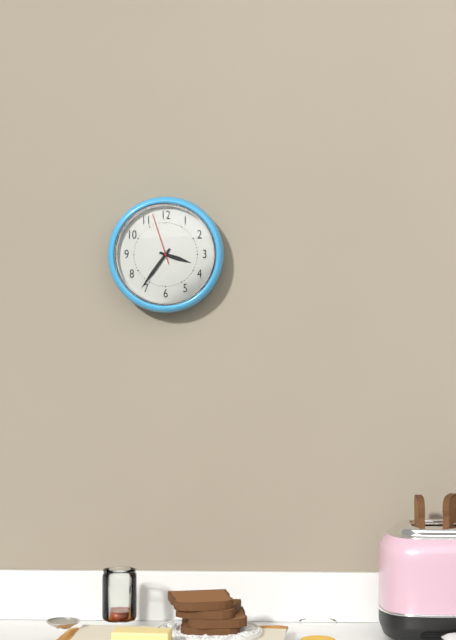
3:36:57
